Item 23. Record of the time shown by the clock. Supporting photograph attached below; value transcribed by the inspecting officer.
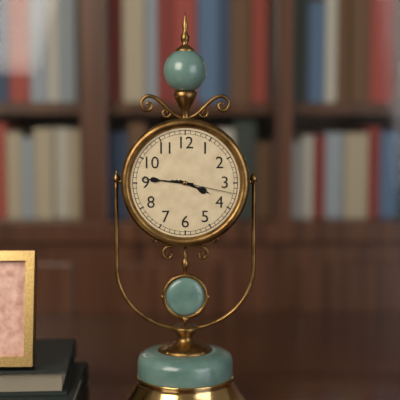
3:46:17
